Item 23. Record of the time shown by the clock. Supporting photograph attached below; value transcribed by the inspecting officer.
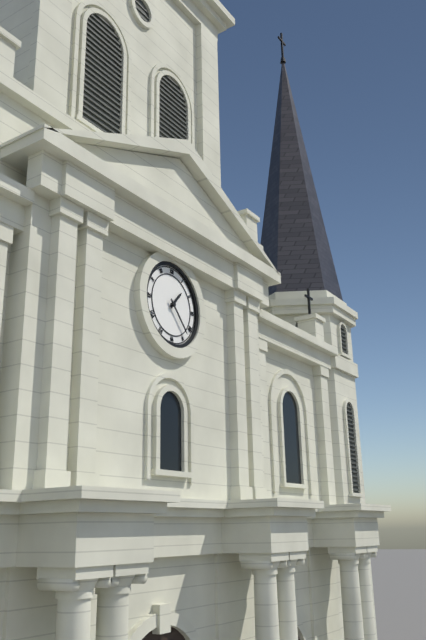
1:23
